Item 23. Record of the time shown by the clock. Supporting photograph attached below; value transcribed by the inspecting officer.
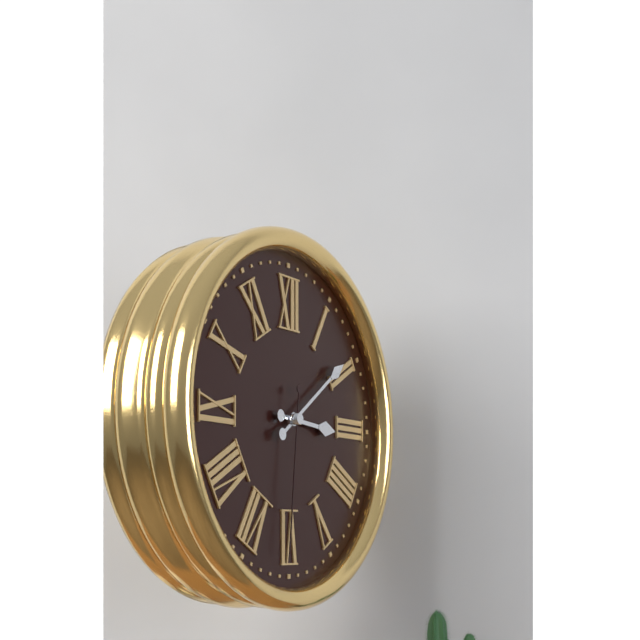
3:09:31
